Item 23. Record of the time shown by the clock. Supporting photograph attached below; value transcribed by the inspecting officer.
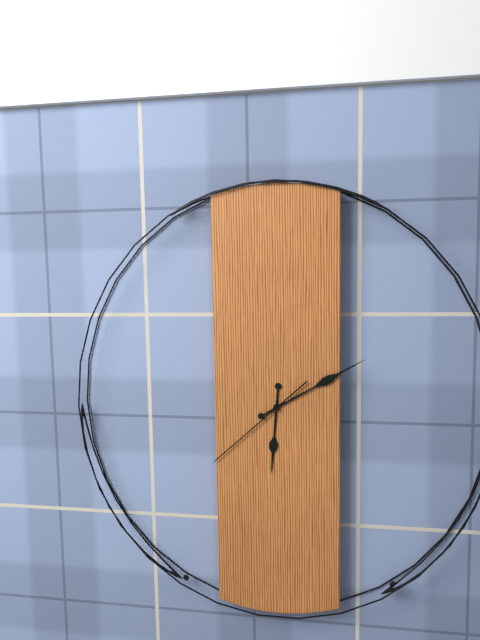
6:10:38
